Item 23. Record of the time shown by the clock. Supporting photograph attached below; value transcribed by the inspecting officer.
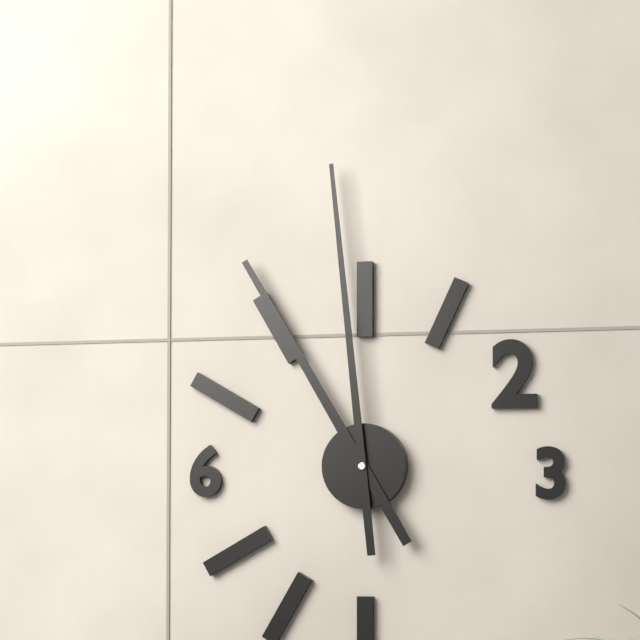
10:59
